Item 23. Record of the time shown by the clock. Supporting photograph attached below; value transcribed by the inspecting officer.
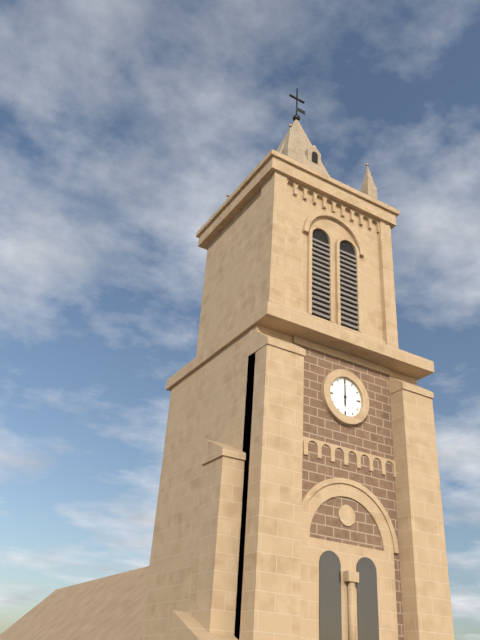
6:00
